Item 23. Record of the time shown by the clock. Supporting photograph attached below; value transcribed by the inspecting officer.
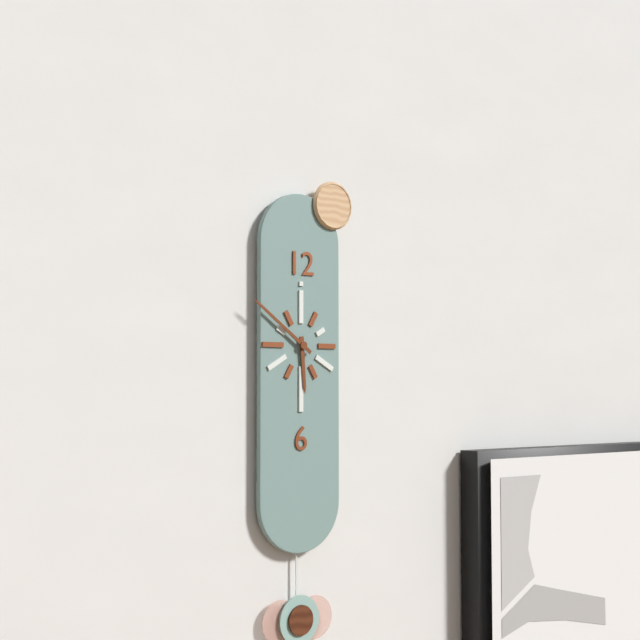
5:51
